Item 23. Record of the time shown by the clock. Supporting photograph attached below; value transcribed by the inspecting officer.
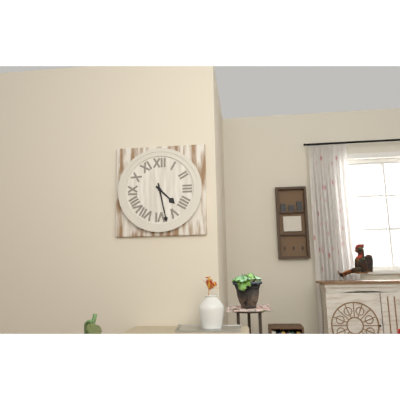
4:28
